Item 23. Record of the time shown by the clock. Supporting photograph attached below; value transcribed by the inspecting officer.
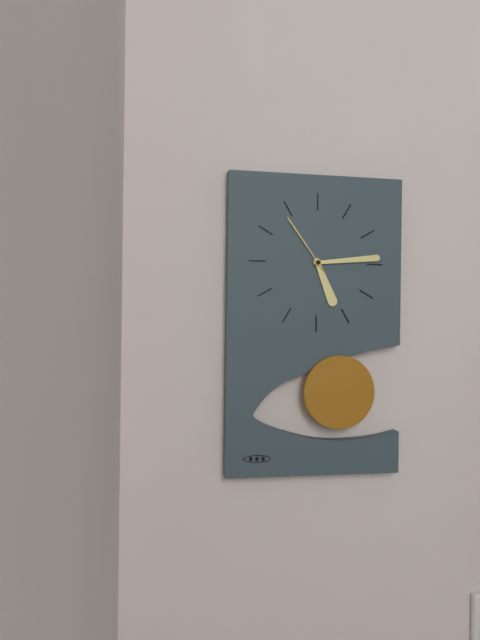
5:14:54
